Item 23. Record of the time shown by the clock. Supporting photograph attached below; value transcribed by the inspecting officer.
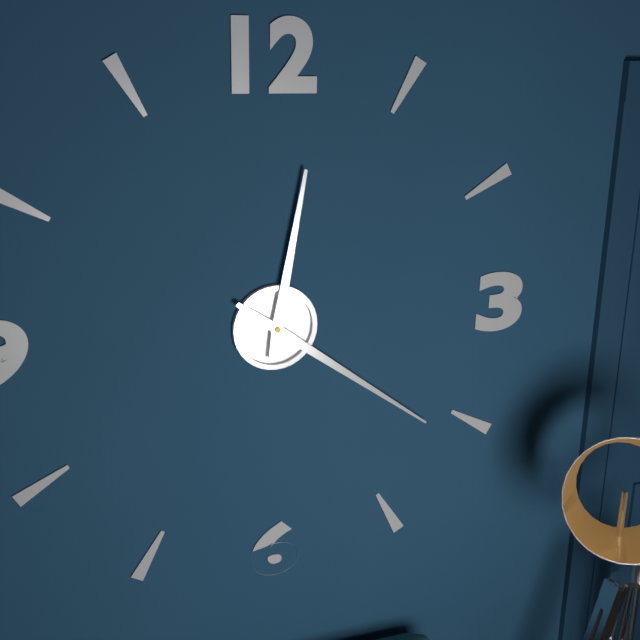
12:21
